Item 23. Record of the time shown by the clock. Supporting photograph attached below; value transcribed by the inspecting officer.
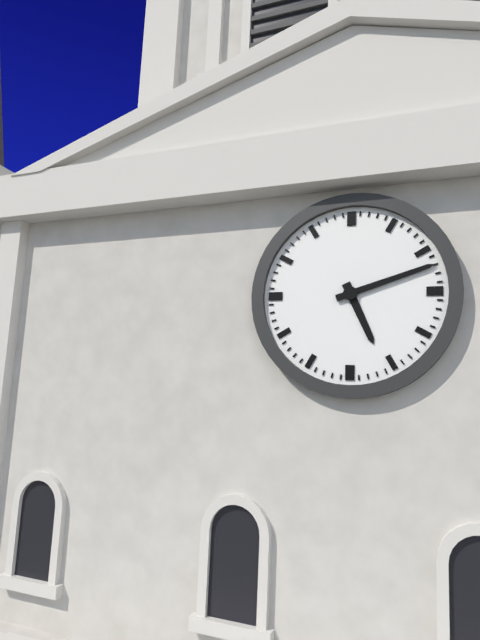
5:12
